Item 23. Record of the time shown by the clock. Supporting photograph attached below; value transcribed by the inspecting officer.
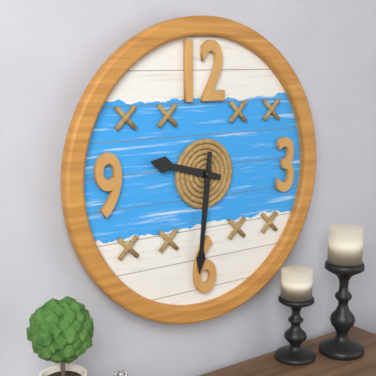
9:31
